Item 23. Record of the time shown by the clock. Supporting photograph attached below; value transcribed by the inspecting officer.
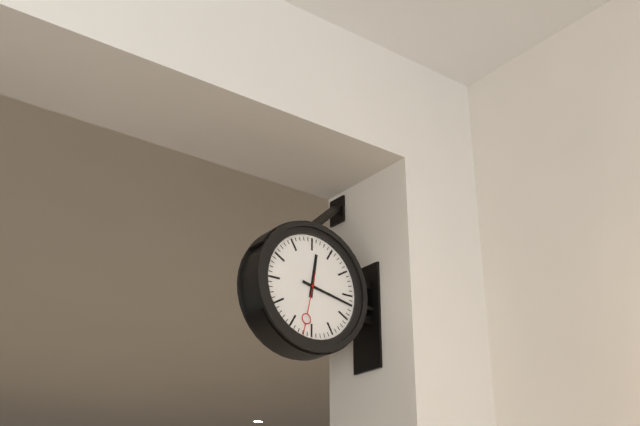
12:17:32
